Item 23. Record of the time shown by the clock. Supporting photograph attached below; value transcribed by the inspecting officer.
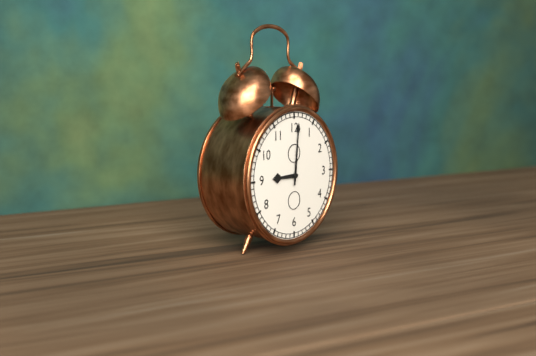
9:01
